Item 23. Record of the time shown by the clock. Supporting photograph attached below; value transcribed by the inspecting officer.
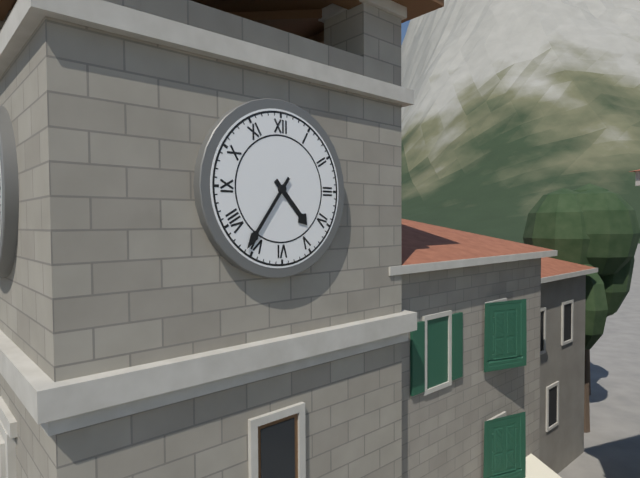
4:36
